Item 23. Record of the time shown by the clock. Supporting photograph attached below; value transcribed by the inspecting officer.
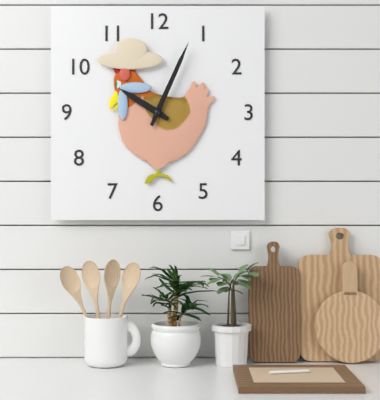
10:04
